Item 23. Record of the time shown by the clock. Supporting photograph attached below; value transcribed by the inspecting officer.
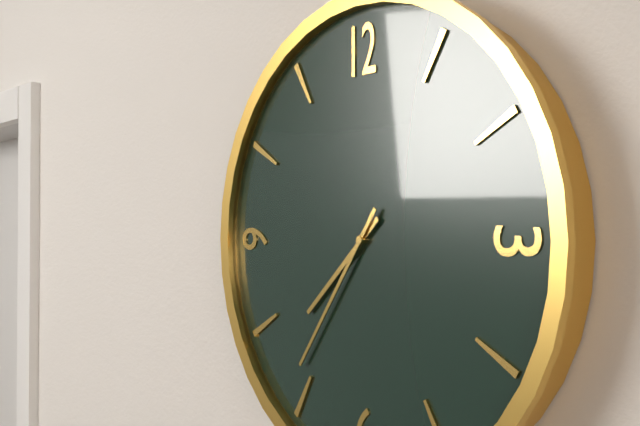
7:36
